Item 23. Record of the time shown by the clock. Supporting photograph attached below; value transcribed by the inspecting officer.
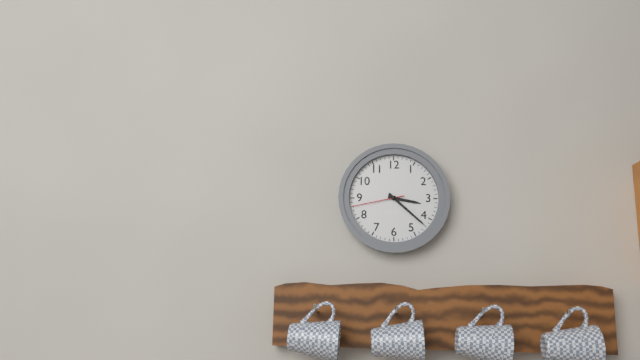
3:22:43
